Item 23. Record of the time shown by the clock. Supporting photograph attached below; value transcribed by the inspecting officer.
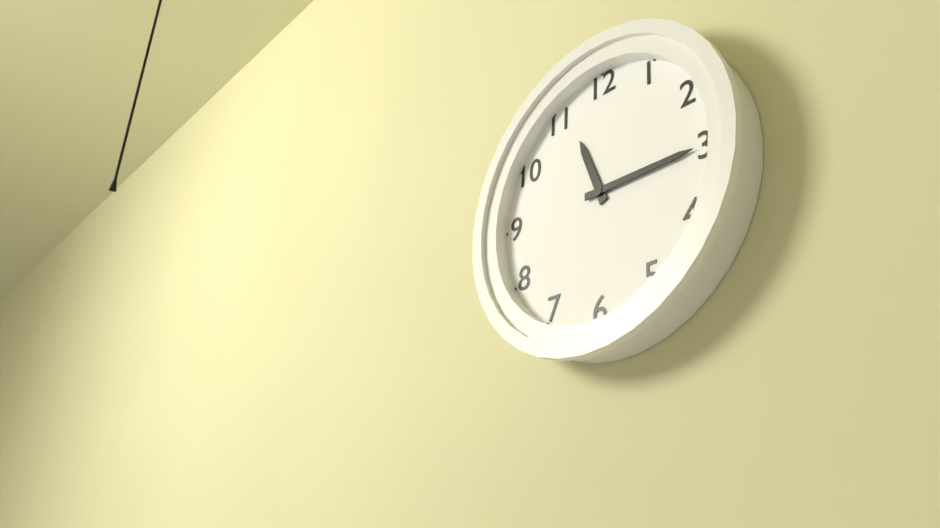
11:15
